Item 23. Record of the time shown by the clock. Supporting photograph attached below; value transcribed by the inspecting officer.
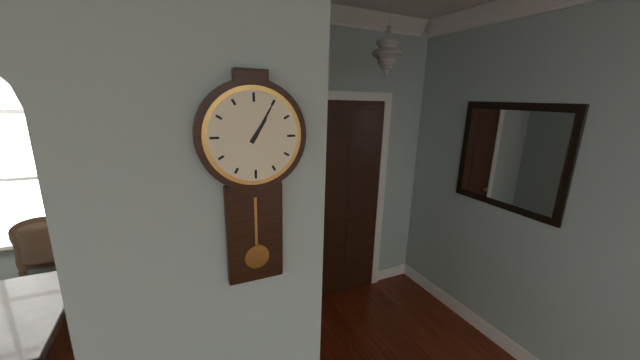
1:05
